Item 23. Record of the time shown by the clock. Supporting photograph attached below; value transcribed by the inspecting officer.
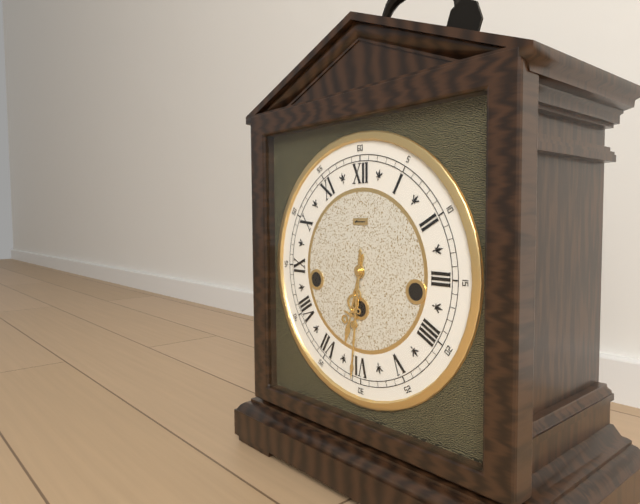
6:31
